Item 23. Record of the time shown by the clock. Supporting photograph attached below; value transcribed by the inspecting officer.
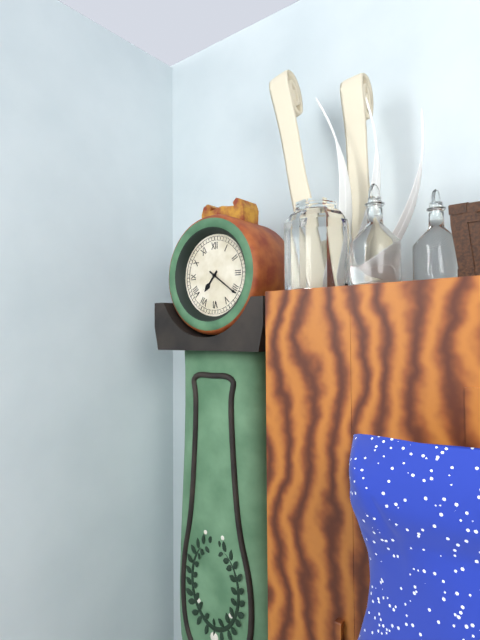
7:21
